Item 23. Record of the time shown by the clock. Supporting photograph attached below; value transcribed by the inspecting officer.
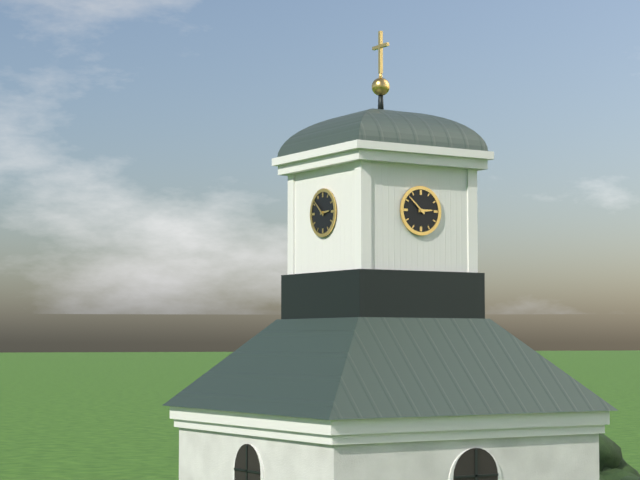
2:52
